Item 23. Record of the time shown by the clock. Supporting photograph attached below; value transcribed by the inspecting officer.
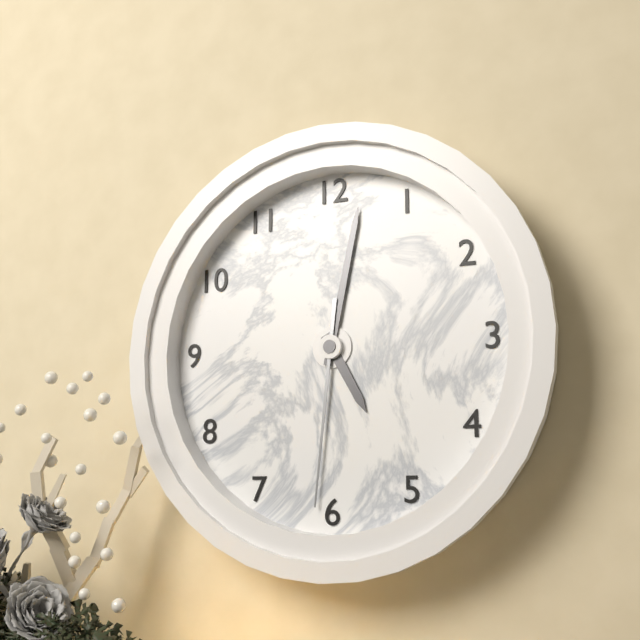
5:02:31
